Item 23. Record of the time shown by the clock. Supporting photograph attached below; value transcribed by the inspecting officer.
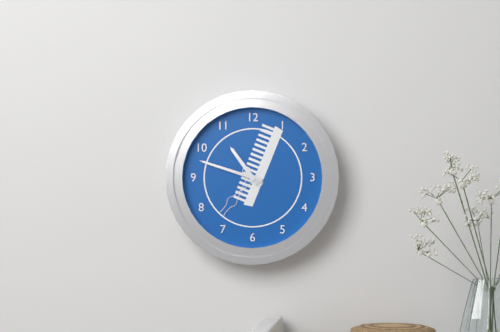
10:48
